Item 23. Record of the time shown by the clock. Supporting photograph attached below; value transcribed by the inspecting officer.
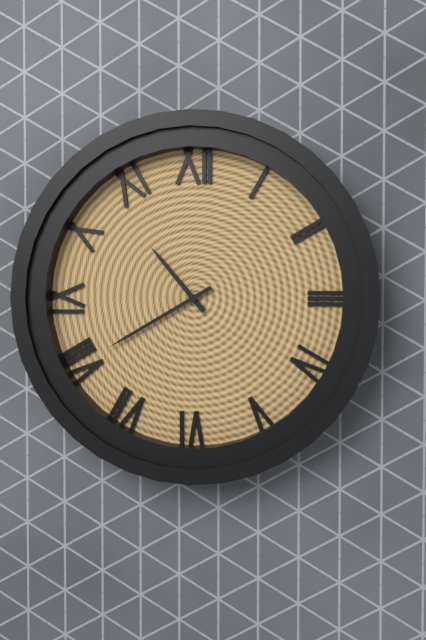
10:40
